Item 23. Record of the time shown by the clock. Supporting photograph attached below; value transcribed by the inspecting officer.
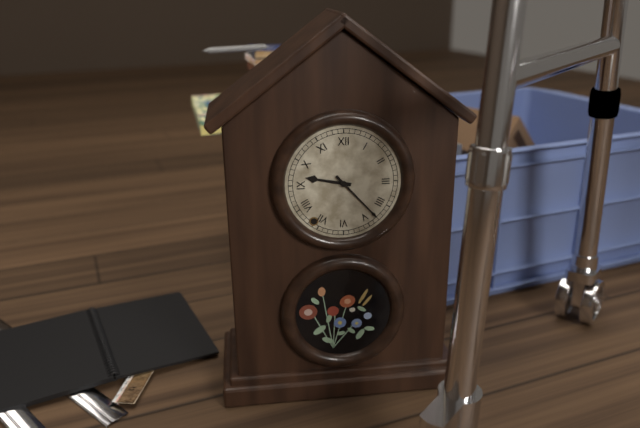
9:23
